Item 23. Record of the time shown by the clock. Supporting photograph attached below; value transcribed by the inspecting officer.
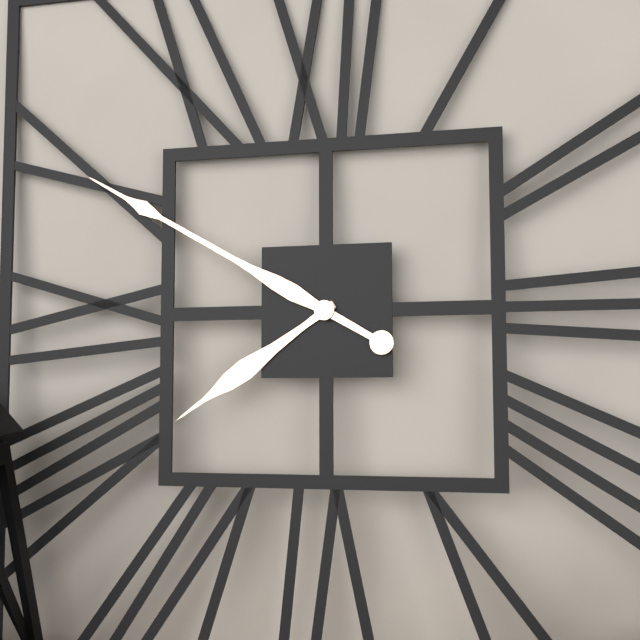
7:50
